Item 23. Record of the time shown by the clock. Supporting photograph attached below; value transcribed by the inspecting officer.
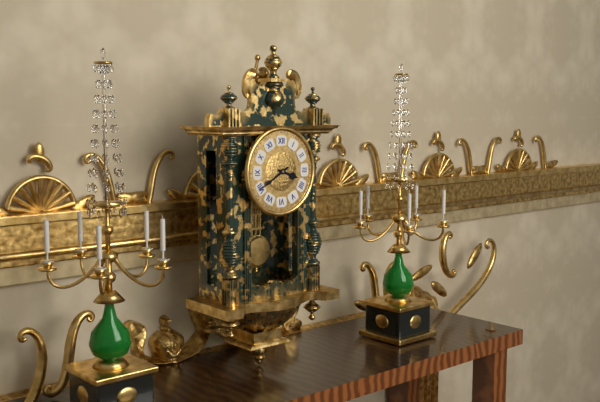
3:40
